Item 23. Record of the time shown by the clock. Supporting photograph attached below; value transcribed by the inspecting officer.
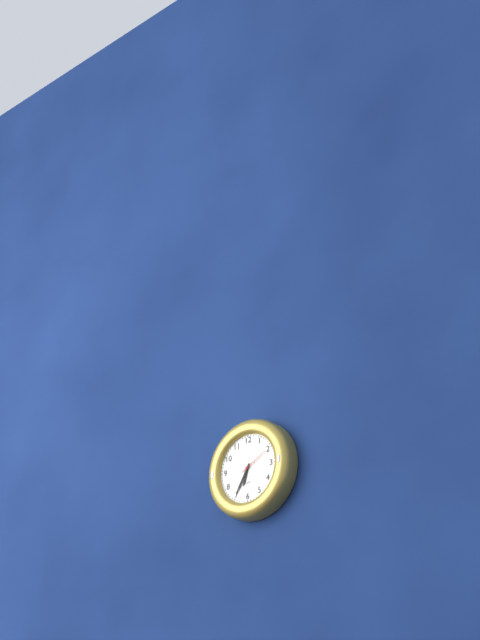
6:35
